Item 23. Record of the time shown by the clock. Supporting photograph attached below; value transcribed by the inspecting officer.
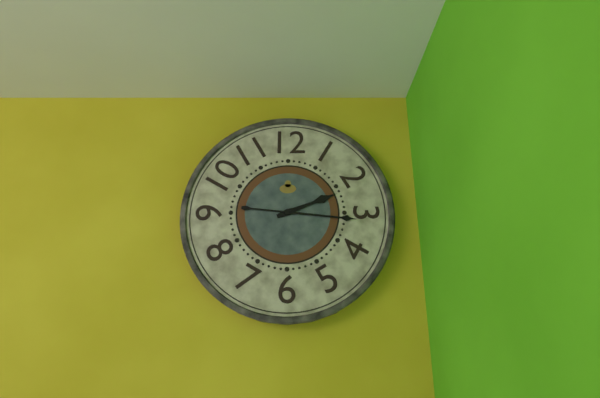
2:16
